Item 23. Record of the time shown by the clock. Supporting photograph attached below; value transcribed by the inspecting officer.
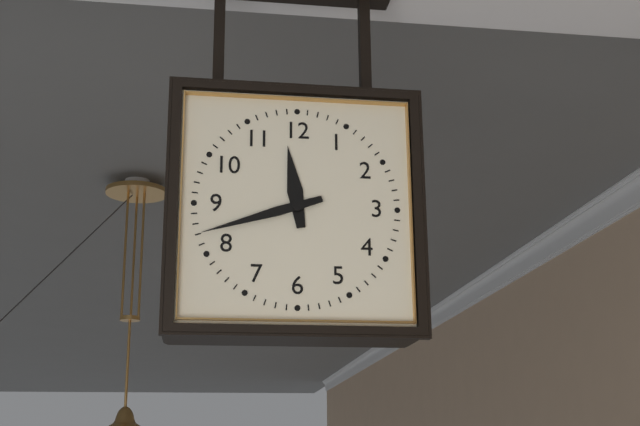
11:42
